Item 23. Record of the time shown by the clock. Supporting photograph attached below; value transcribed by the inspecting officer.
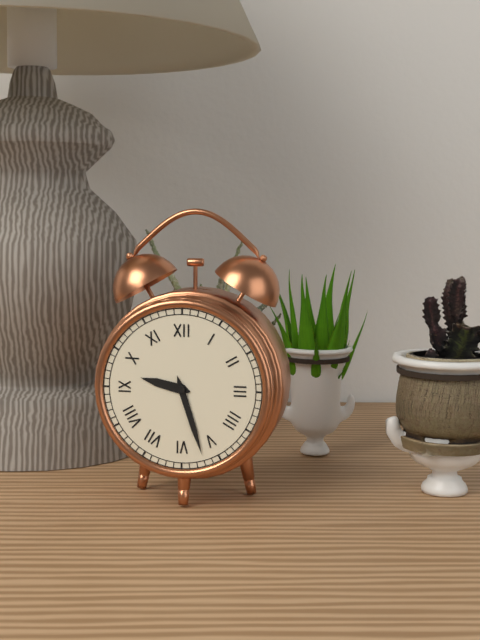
9:27
